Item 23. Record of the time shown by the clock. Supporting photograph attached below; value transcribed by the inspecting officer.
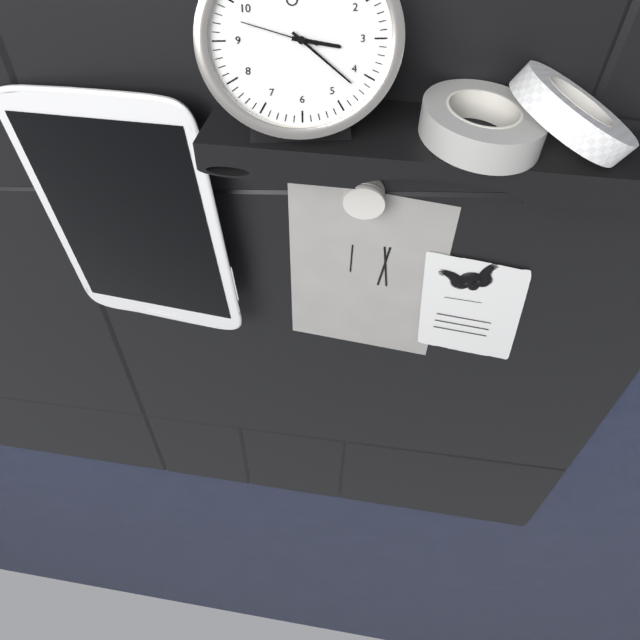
3:22:48
